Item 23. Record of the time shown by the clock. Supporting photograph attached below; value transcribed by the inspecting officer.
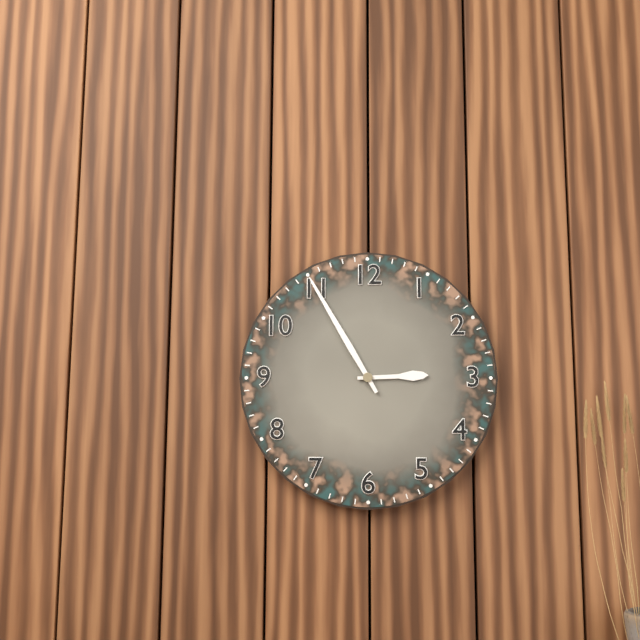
2:55
